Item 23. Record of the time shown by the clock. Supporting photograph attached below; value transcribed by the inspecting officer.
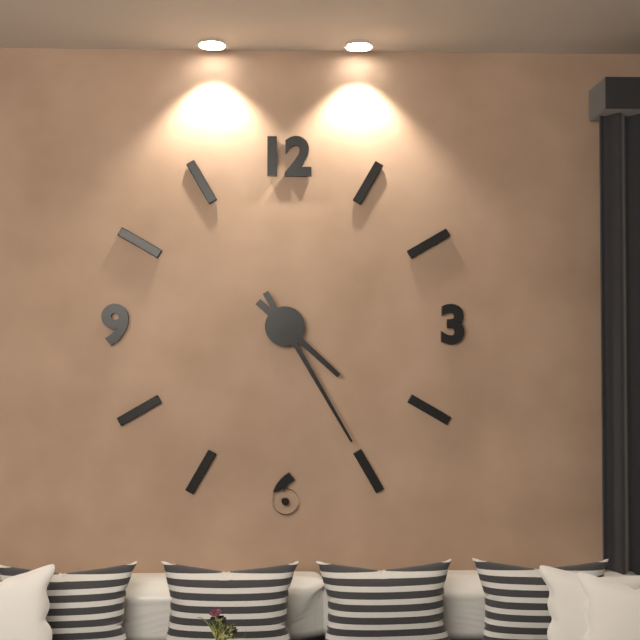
4:25
